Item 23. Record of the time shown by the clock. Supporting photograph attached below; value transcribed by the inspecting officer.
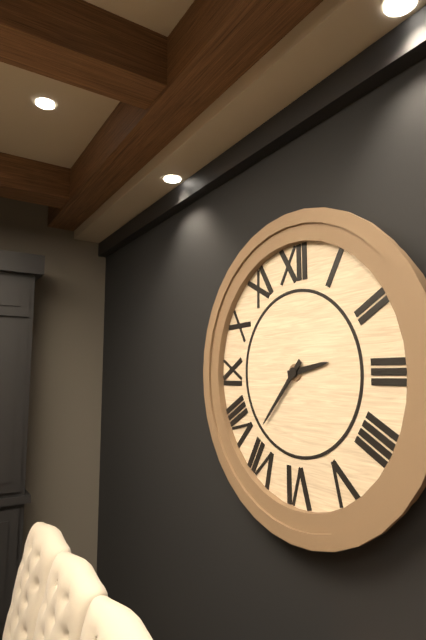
2:37
